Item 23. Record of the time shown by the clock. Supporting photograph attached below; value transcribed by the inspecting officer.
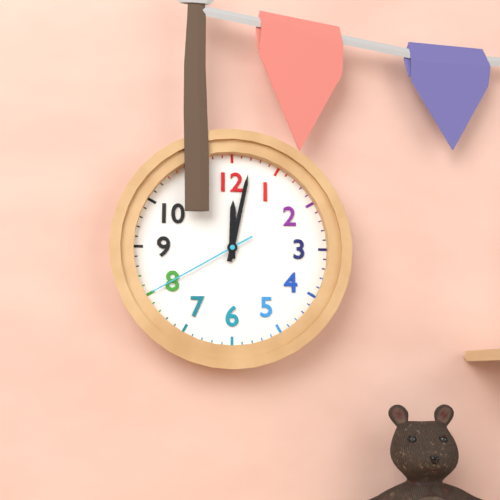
12:02:40
